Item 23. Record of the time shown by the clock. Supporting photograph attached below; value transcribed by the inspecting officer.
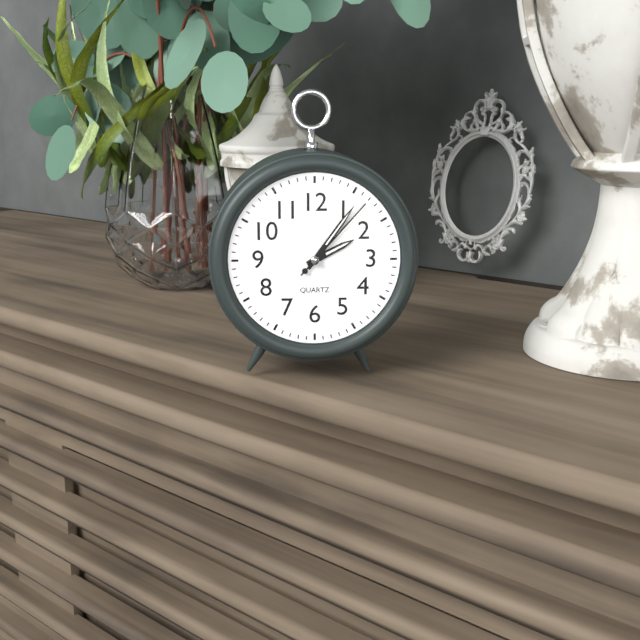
2:06:07
